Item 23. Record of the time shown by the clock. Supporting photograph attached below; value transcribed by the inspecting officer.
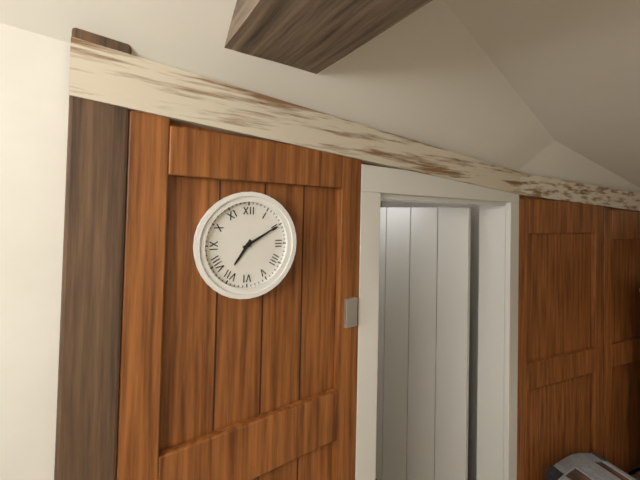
7:10
